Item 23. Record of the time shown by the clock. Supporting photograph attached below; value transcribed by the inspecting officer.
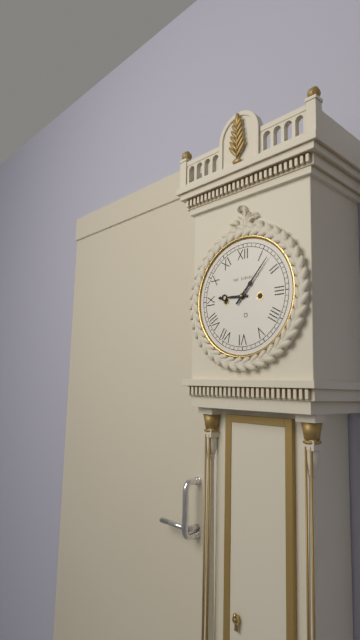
9:07
